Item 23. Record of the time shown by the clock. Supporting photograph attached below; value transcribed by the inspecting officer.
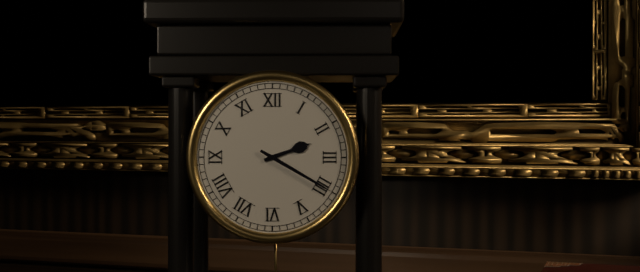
2:20
